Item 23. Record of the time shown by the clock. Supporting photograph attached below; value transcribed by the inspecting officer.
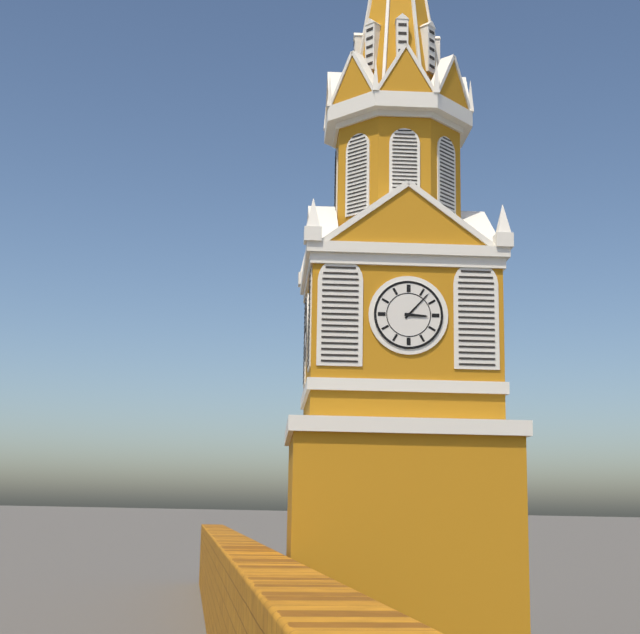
3:07
